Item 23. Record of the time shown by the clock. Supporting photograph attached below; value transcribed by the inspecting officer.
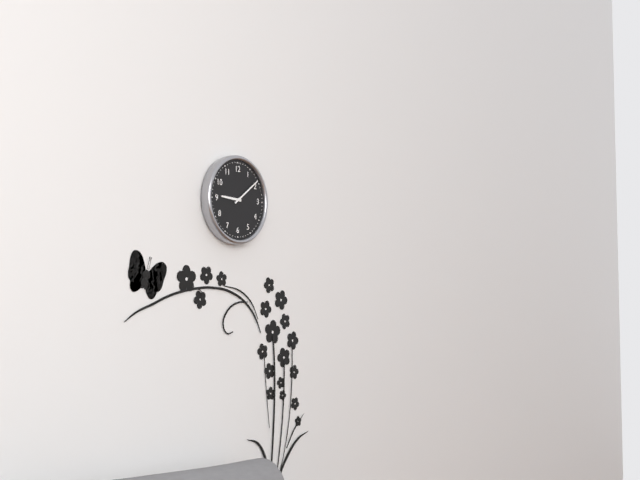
9:09
